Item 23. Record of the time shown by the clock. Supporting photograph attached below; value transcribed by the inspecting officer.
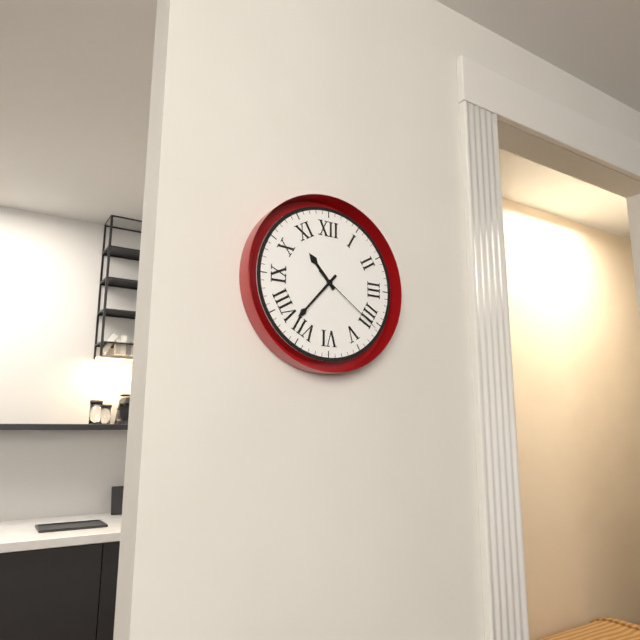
10:37:21
